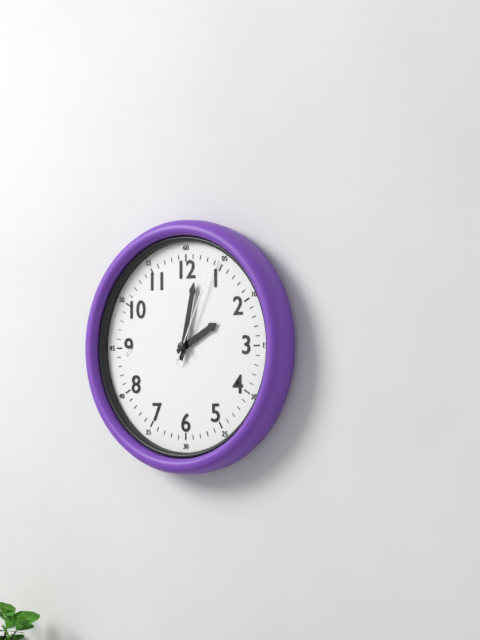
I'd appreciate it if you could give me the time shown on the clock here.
2:02:04
